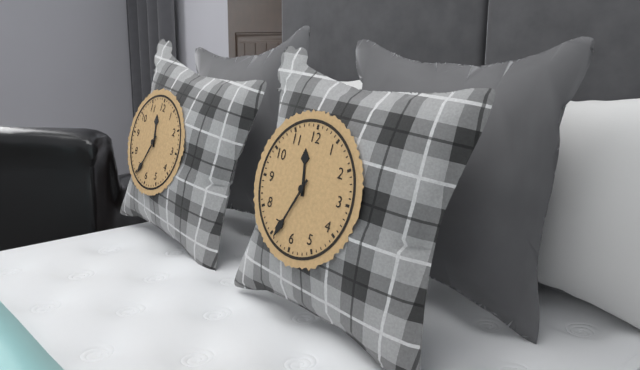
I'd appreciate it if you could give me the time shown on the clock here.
11:34
